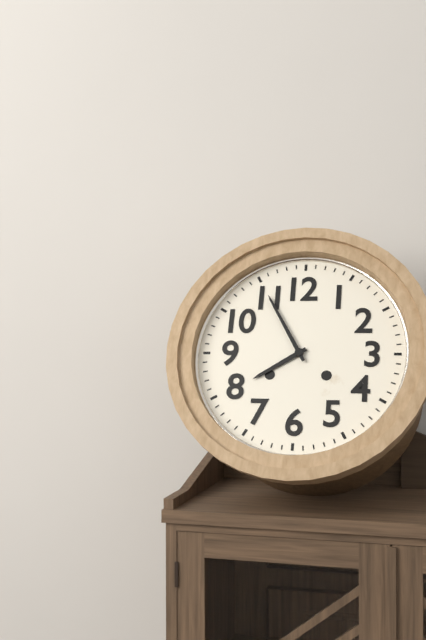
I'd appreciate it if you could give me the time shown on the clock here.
7:55
